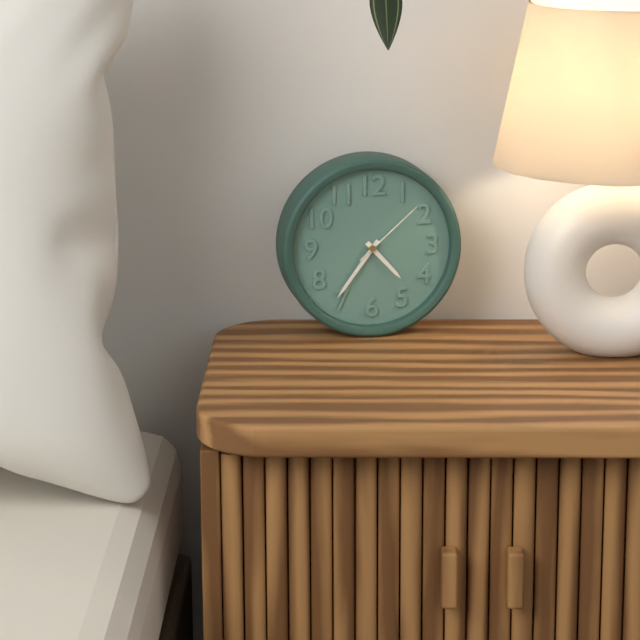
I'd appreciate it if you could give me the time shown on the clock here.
4:36:08
